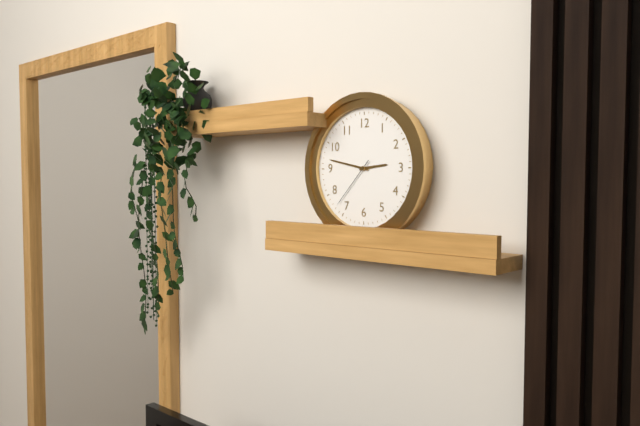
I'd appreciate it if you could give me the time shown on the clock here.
2:47:37
